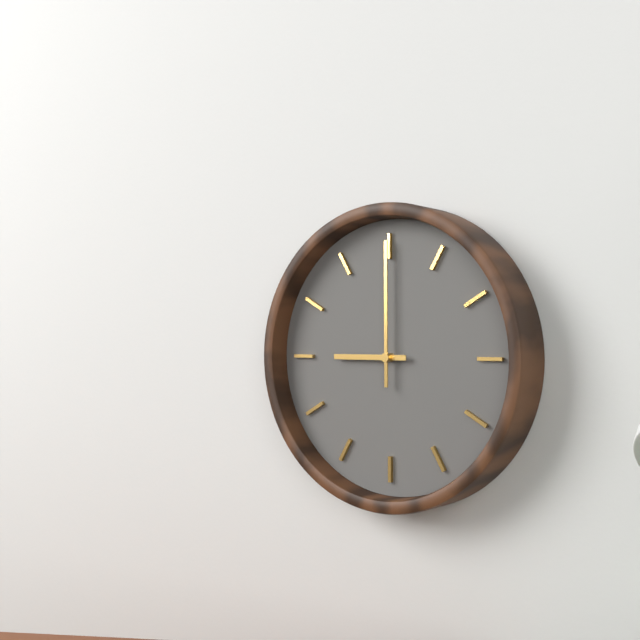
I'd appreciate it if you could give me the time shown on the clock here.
9:00
